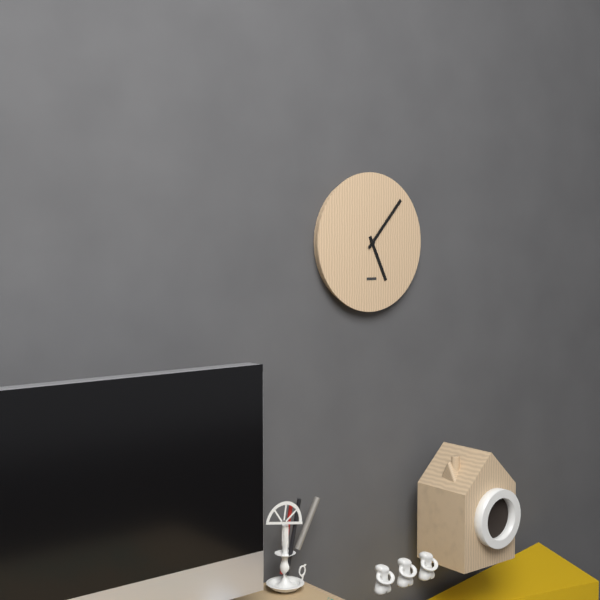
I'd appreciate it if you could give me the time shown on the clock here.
5:07
